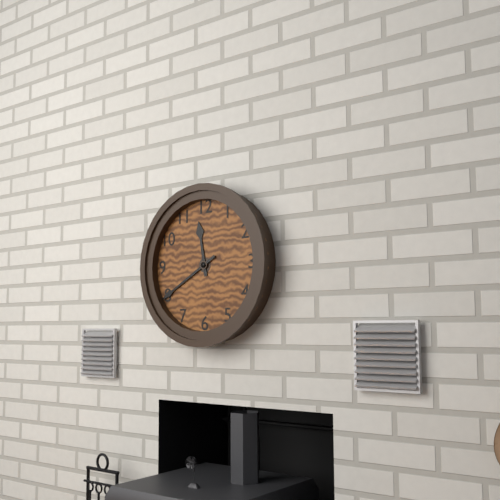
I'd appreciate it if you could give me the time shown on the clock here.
11:40
